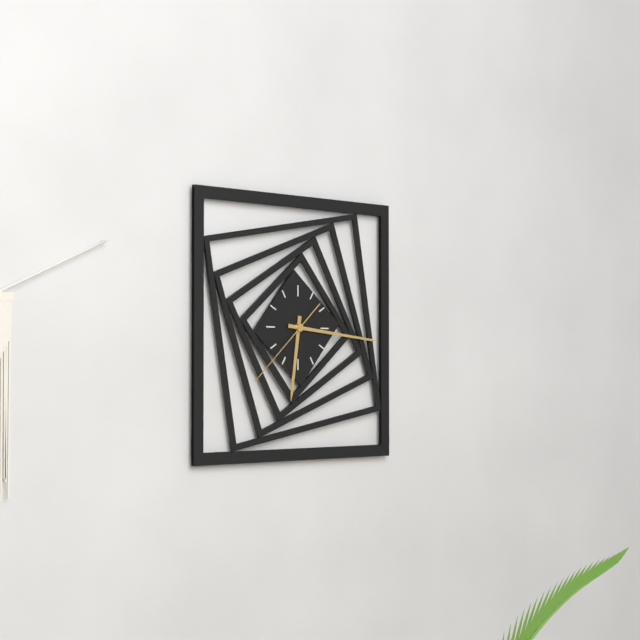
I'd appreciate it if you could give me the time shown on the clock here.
6:16:38
